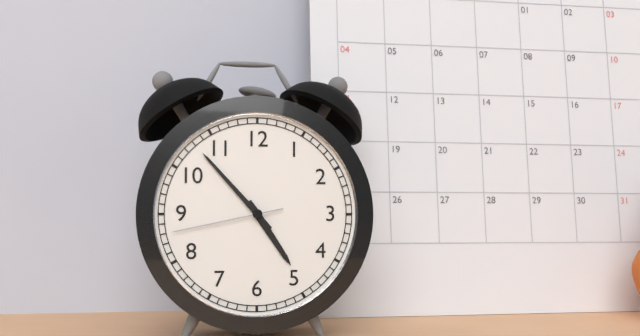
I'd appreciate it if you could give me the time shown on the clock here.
4:53:43
